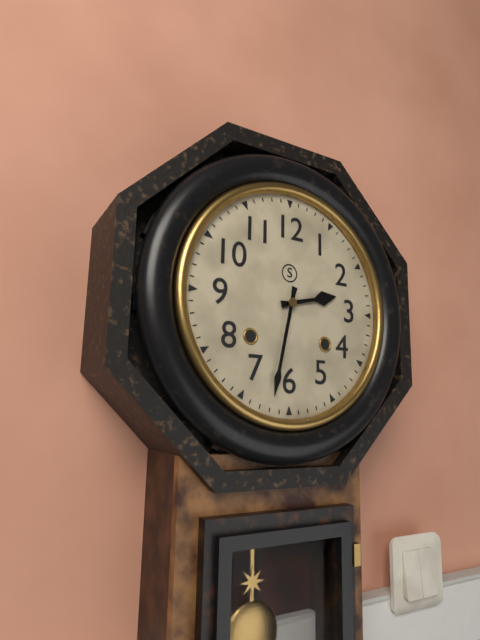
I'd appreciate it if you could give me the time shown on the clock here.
2:32
